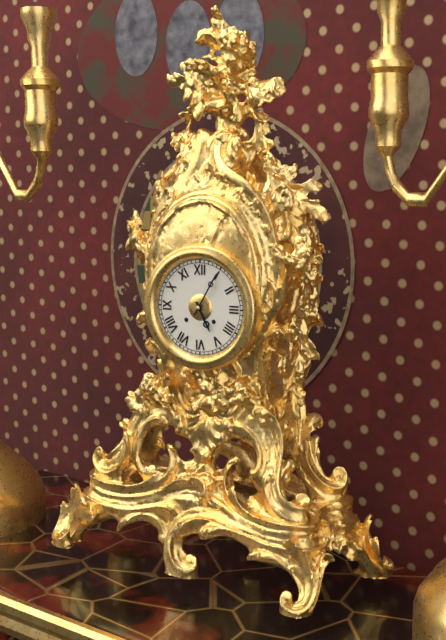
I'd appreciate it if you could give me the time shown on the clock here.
5:05
